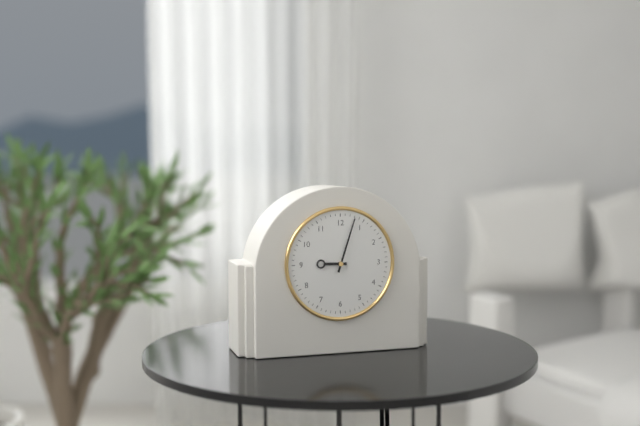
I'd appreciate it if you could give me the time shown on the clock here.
9:03
